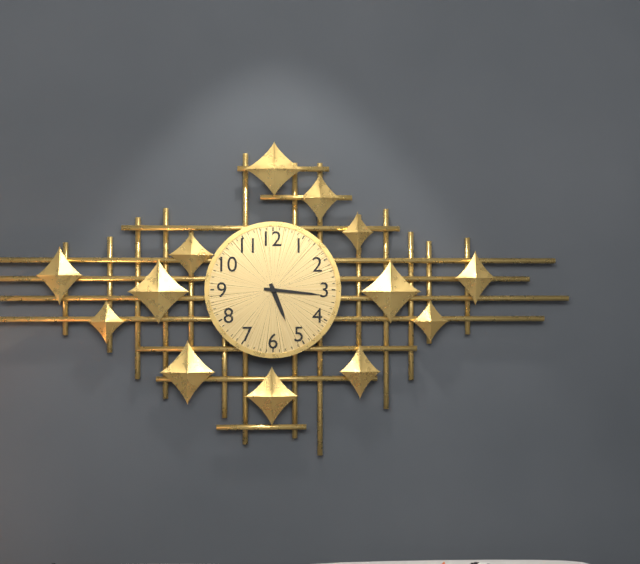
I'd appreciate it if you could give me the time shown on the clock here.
5:16
